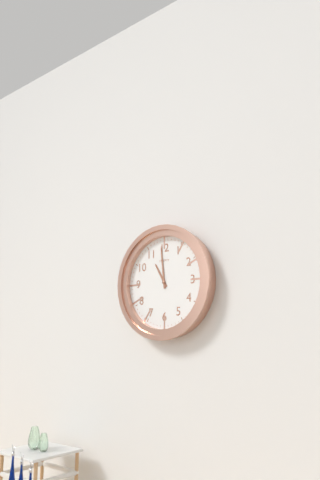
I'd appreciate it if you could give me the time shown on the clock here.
10:59
